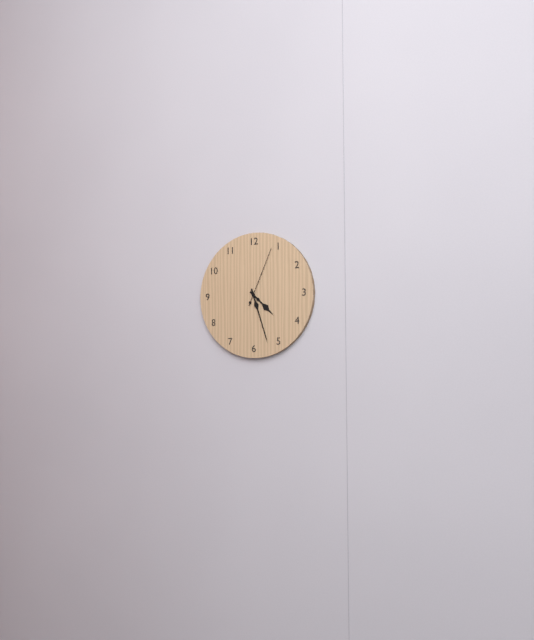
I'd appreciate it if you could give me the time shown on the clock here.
4:27:04
